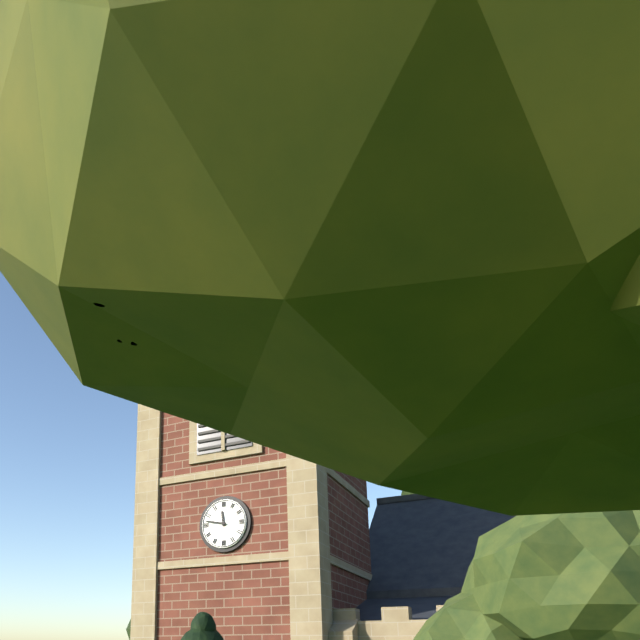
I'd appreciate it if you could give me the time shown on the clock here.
11:47
